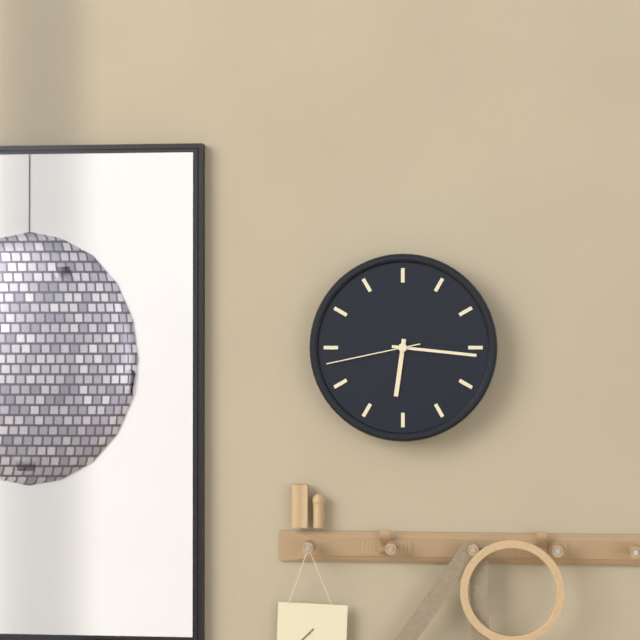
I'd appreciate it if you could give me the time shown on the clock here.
6:16:43
